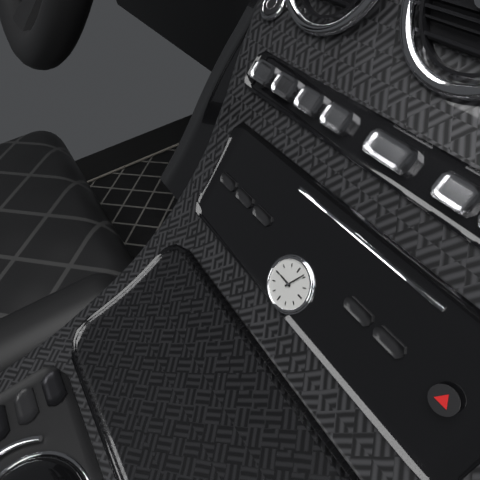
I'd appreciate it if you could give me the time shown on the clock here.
9:04
